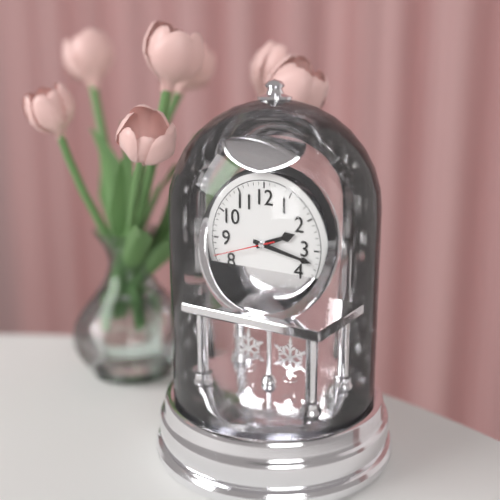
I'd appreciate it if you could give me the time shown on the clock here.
2:17:42
